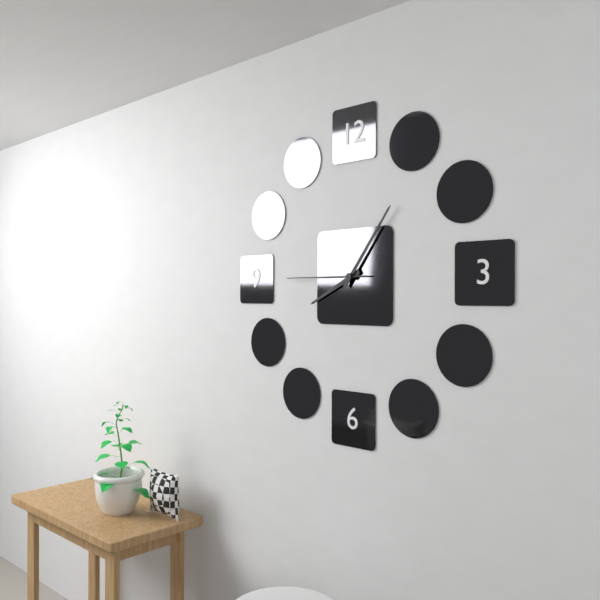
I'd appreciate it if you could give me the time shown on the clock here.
8:06:45
